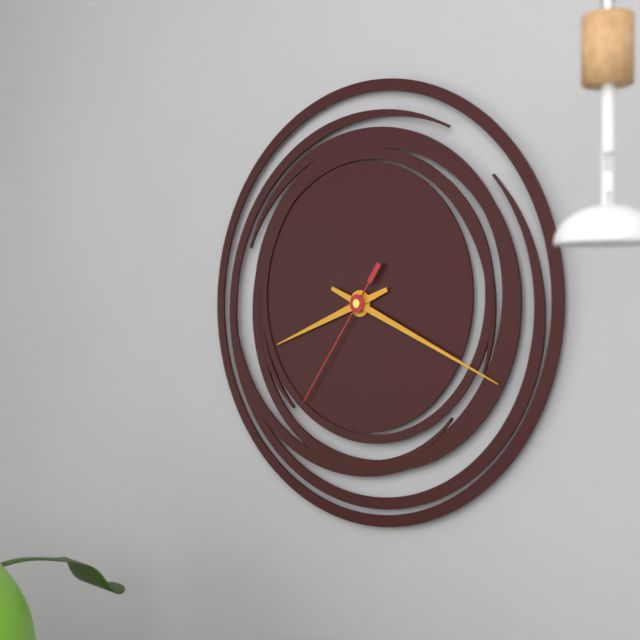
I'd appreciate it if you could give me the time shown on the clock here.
8:19:36
